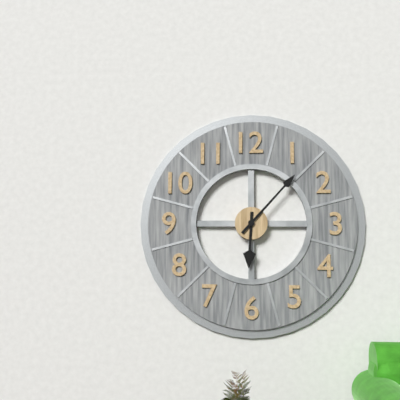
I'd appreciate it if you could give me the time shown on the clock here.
6:07
